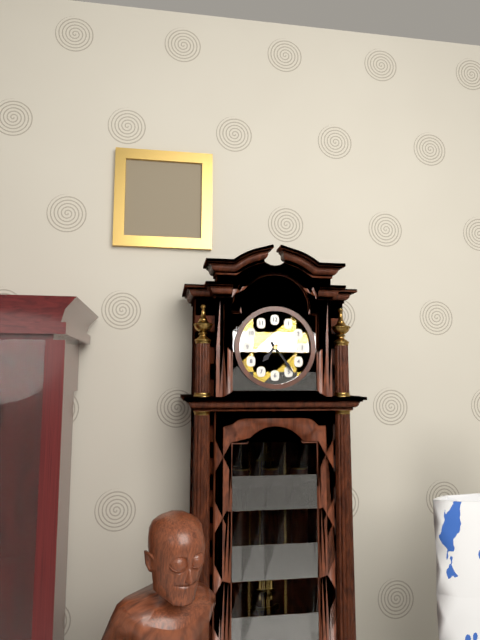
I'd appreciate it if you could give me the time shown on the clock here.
7:24
